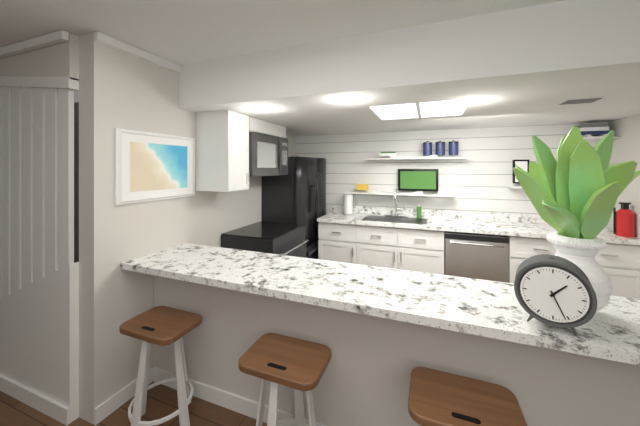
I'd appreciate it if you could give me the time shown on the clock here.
1:26
